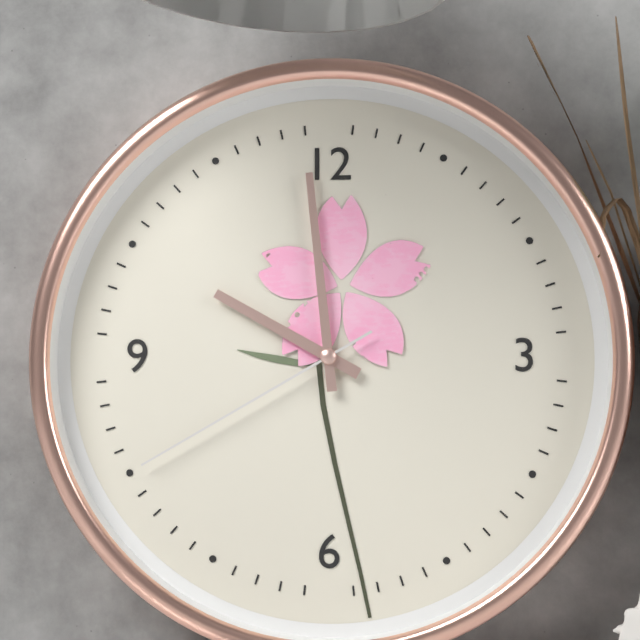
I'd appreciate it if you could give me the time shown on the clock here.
9:59:40
